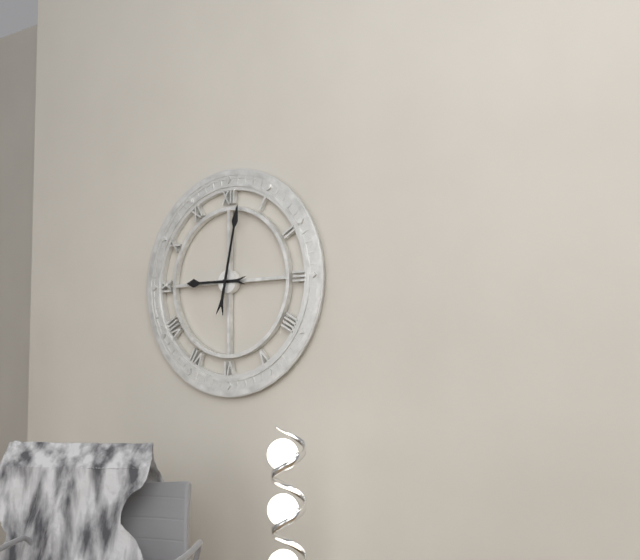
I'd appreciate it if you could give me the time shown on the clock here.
9:02
